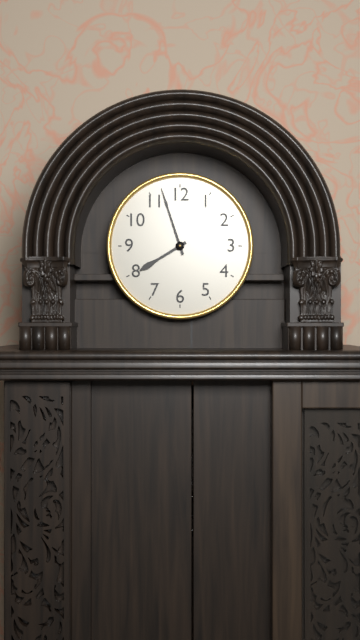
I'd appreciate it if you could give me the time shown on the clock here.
7:57
